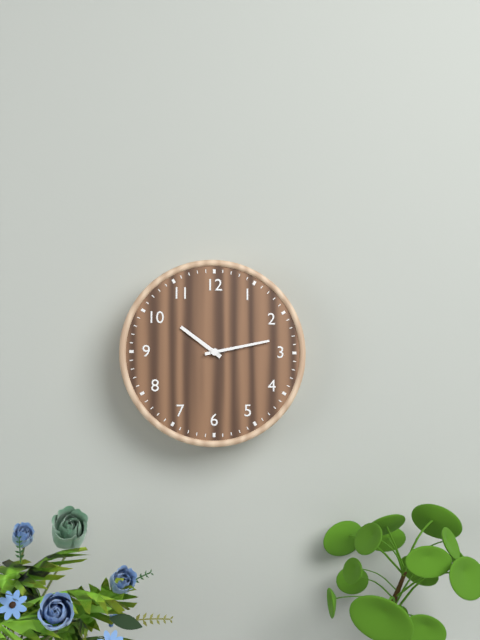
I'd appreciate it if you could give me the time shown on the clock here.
10:13
